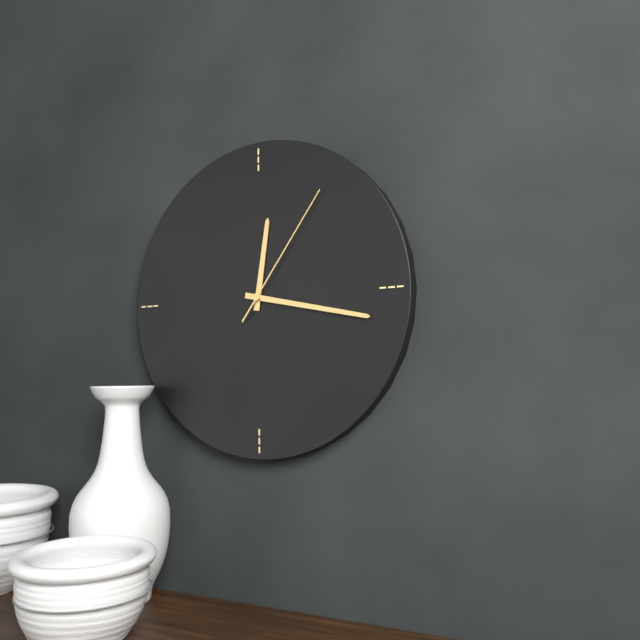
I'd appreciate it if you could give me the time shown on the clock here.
12:17:06
